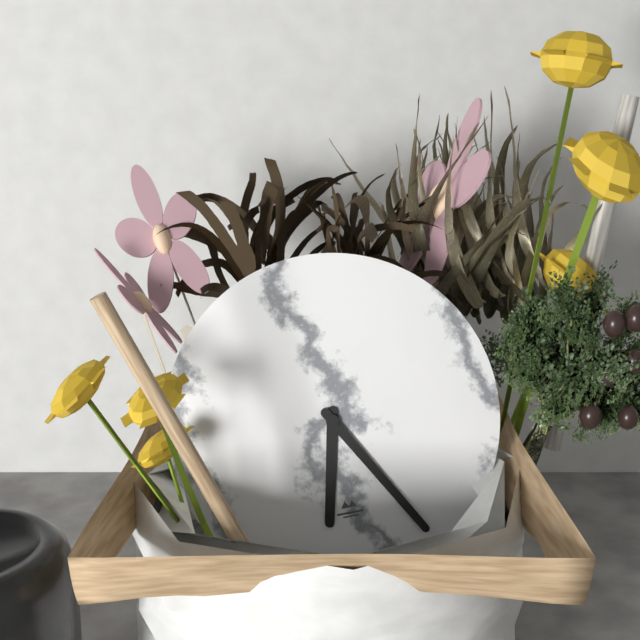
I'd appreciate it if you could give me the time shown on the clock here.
6:25
